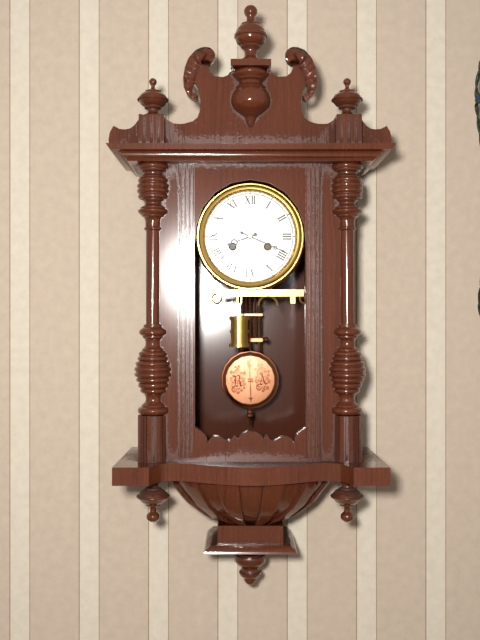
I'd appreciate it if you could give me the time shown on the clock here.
8:19
